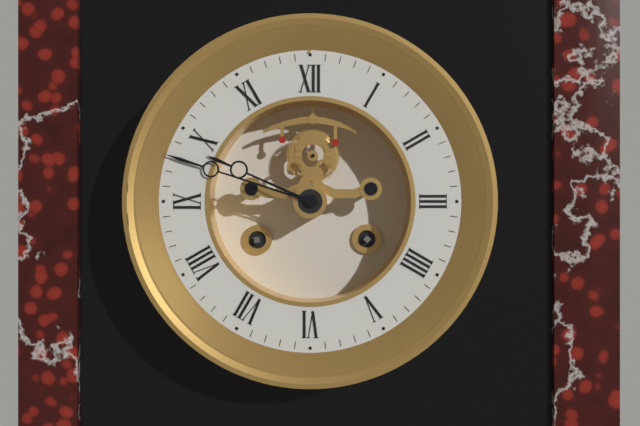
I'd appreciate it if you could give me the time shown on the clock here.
9:48
